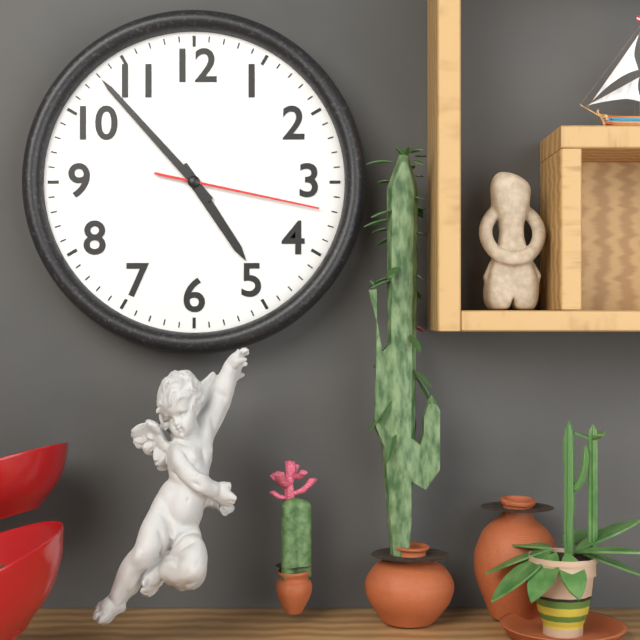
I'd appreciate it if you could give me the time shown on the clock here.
4:53:17
